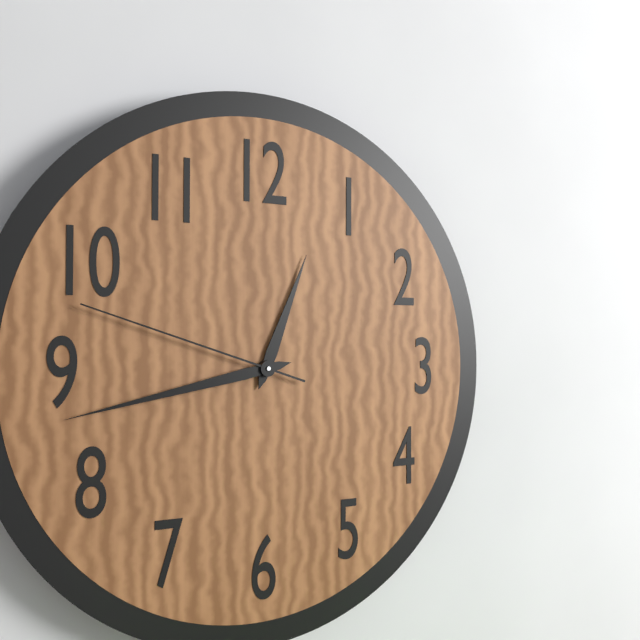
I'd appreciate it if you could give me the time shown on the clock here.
12:43:48
